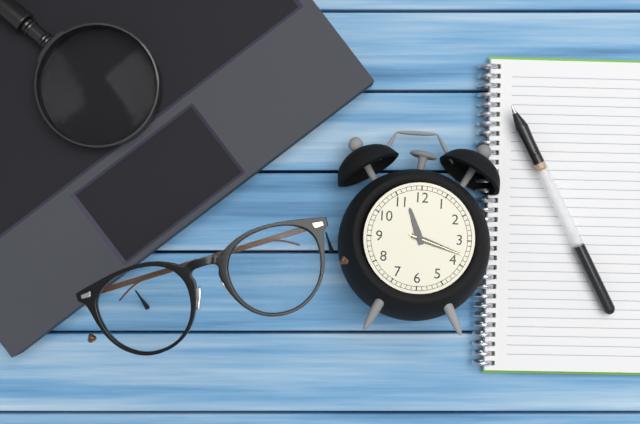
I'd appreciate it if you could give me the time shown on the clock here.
11:18:18
